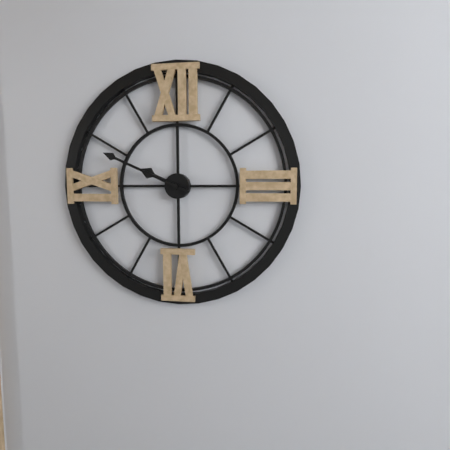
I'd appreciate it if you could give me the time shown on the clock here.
9:49
